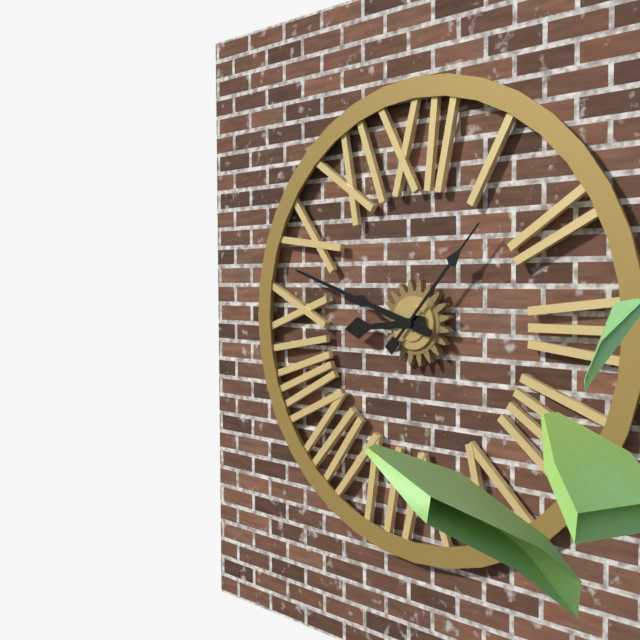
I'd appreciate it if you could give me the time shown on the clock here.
8:48:07
